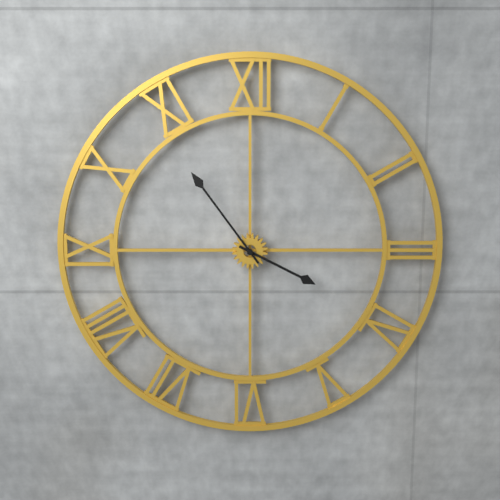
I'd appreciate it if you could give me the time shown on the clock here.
3:54
